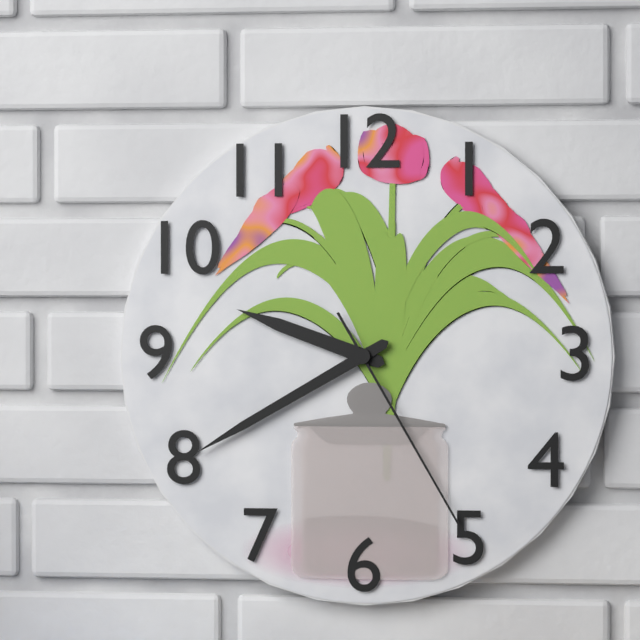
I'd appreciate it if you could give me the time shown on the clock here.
9:40:25
